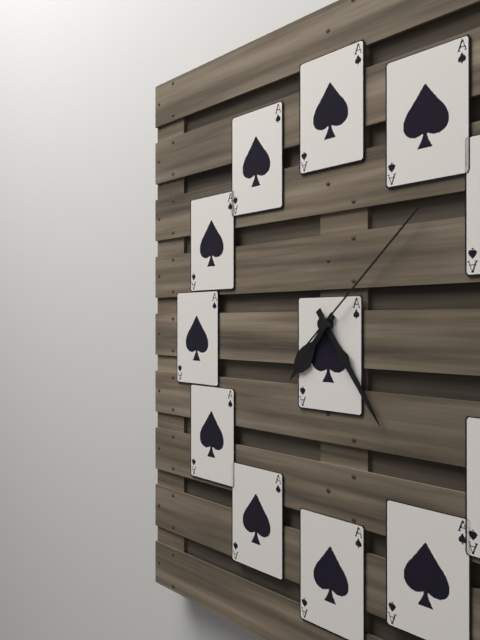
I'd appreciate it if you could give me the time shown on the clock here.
7:24:08
